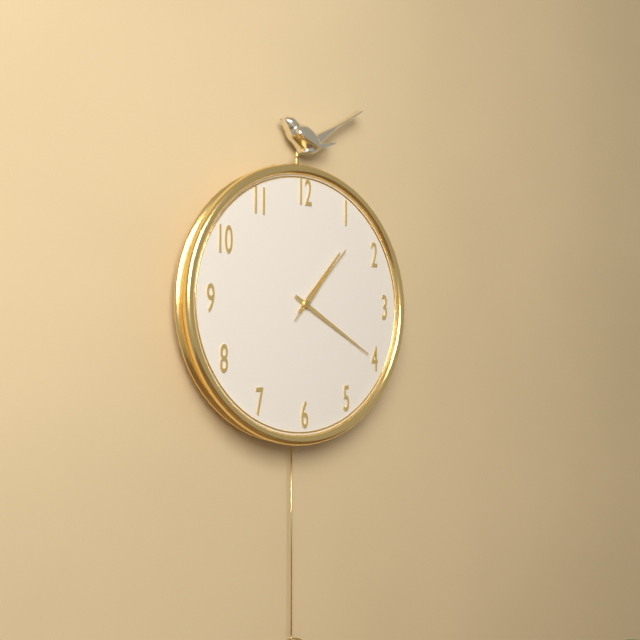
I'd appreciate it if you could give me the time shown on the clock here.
1:20:07
